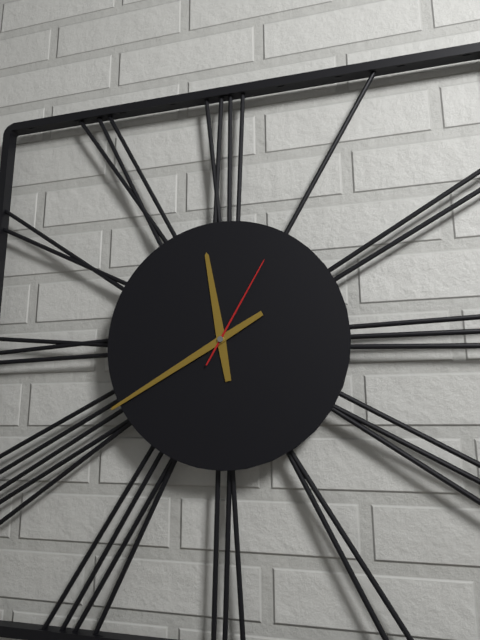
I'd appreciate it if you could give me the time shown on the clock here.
11:40:05
